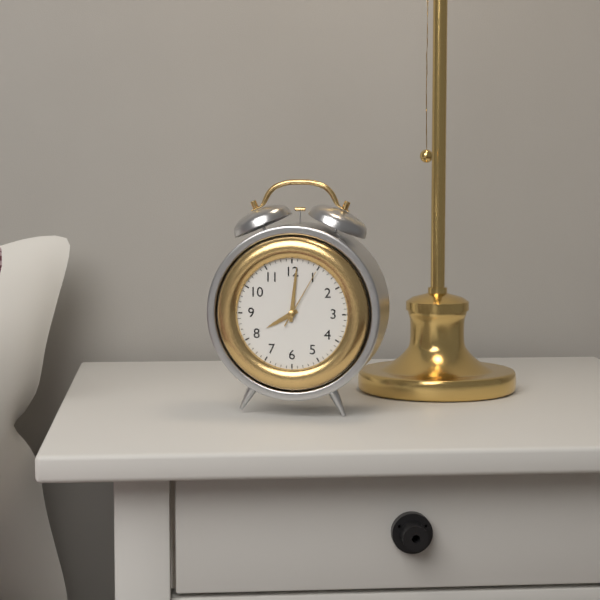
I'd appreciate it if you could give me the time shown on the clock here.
8:01:05
